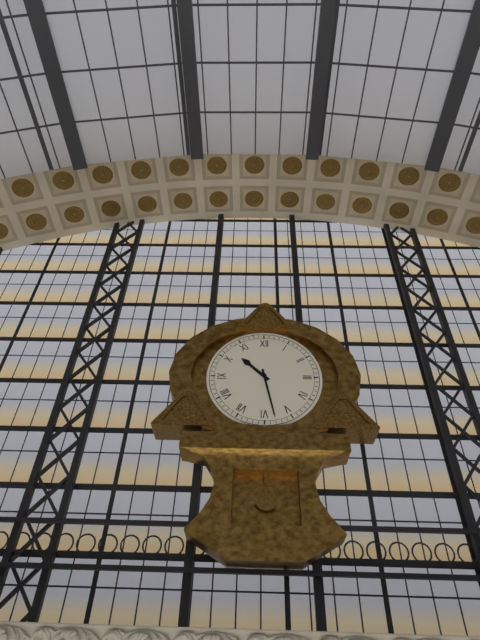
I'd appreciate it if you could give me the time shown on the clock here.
10:28
